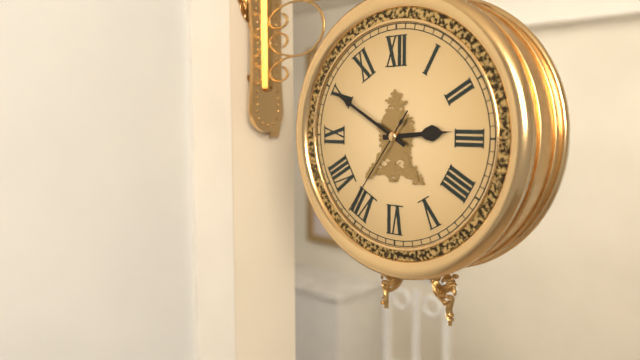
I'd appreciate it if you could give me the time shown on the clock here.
2:50:36
